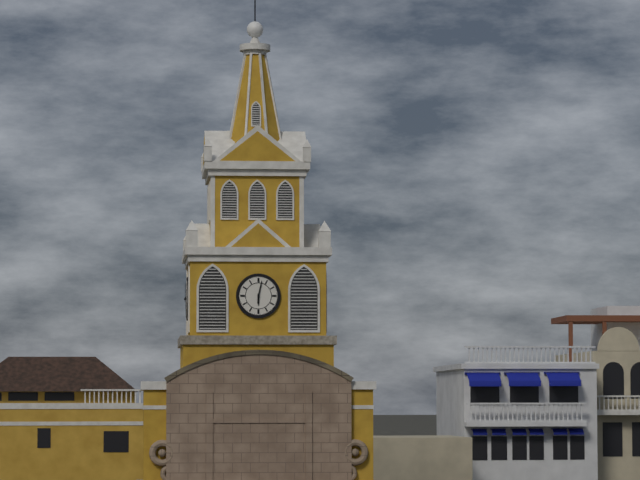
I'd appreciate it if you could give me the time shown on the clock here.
6:02
